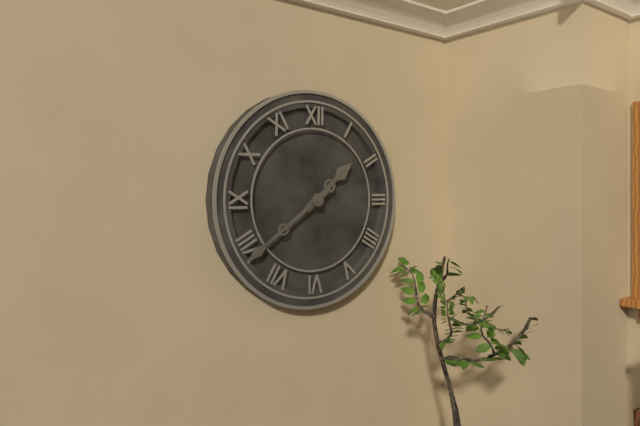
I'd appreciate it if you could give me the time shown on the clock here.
1:39
